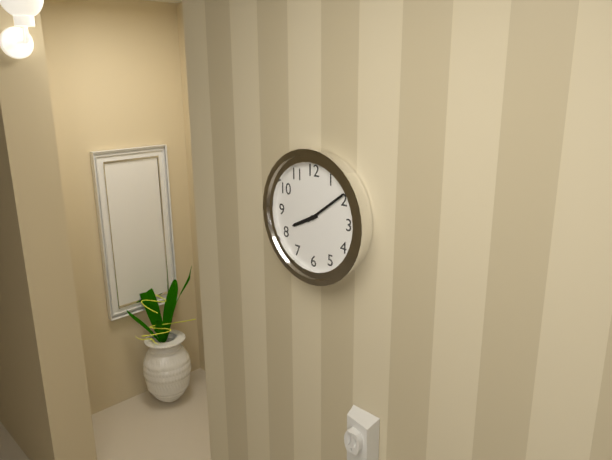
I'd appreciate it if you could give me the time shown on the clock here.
8:09
